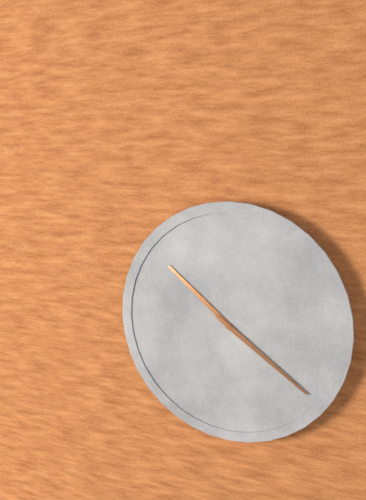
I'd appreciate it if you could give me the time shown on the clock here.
10:21
